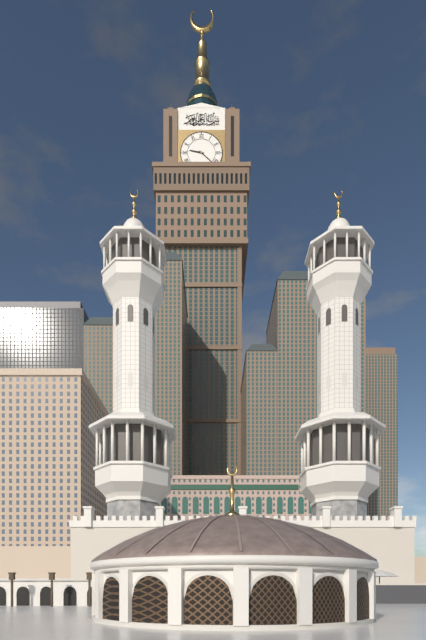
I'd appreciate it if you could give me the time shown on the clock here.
9:22
